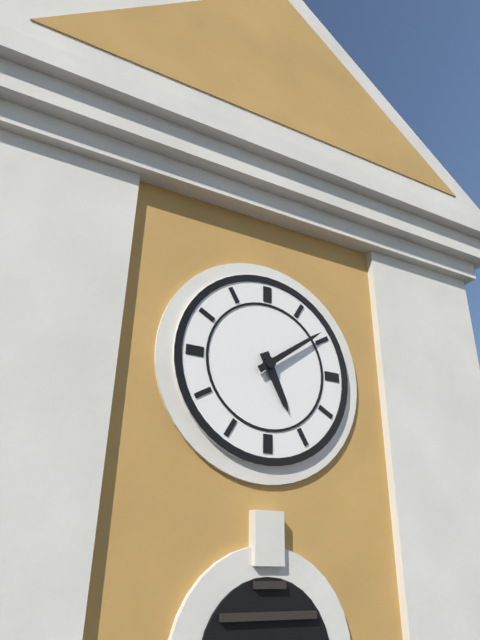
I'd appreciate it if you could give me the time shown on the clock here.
5:09
